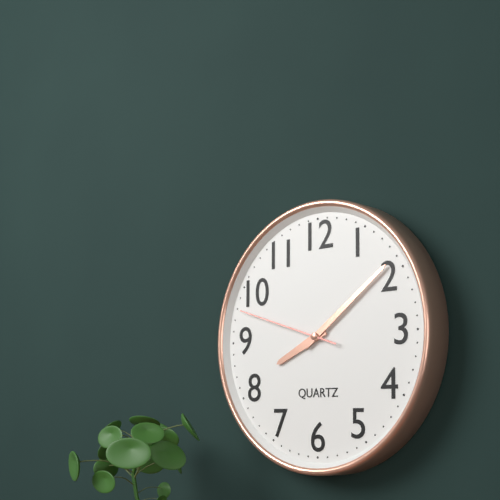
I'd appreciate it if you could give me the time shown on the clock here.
8:09:48
